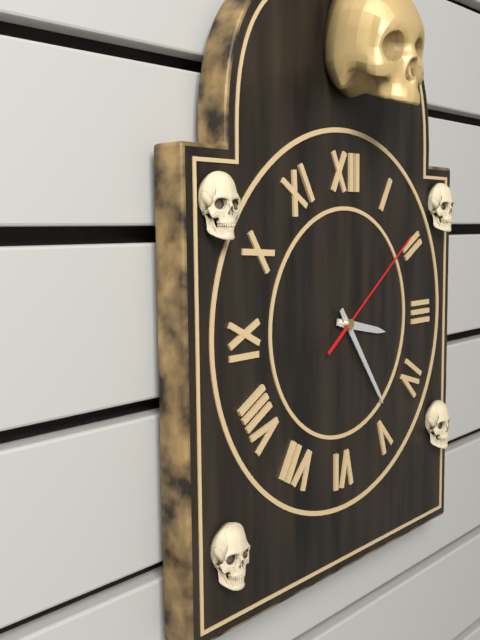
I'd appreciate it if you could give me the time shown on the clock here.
3:24:09
